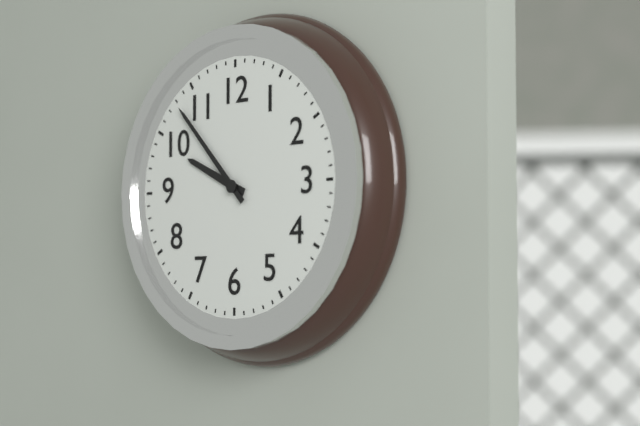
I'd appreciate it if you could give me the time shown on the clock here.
9:53
